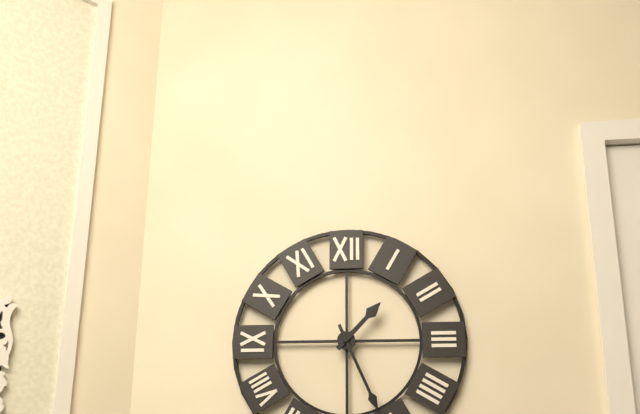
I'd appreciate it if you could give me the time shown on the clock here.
1:26
